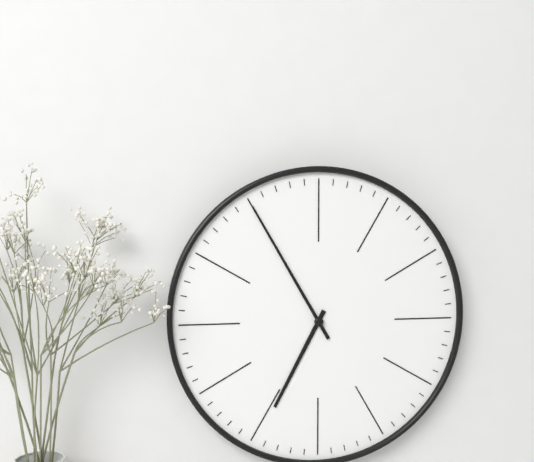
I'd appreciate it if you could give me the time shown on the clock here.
6:55
